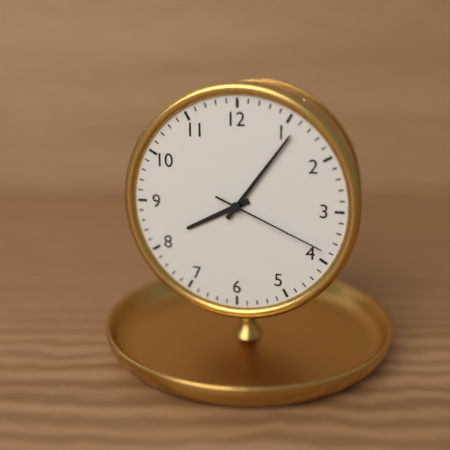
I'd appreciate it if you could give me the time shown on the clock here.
8:06:19
